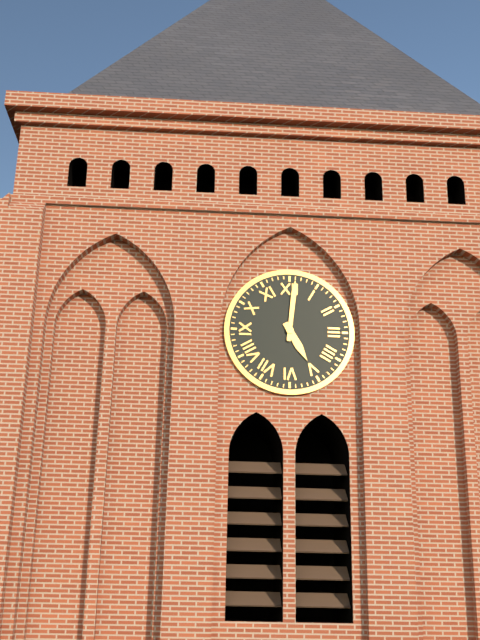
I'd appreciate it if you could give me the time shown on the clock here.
5:01
